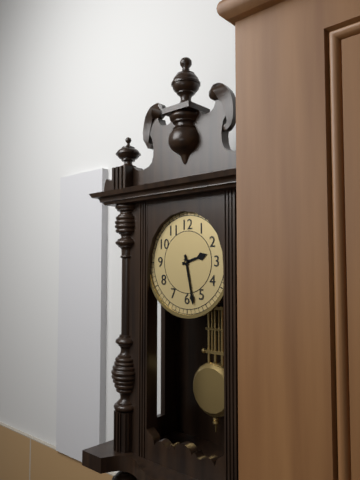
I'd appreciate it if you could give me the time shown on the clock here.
2:28
